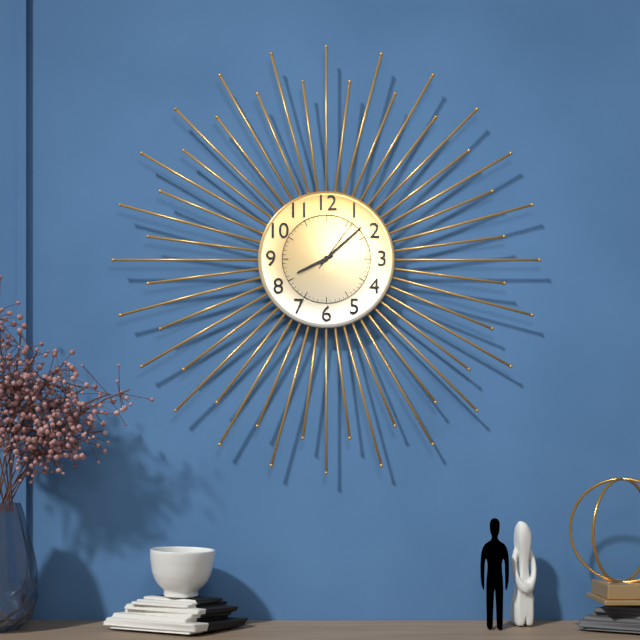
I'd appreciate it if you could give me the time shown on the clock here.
8:08:06
